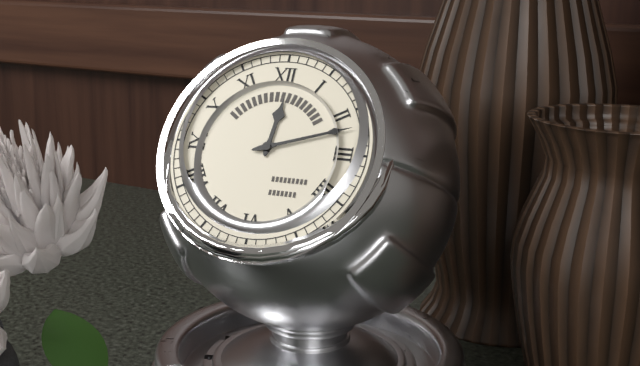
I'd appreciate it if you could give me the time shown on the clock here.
12:12
